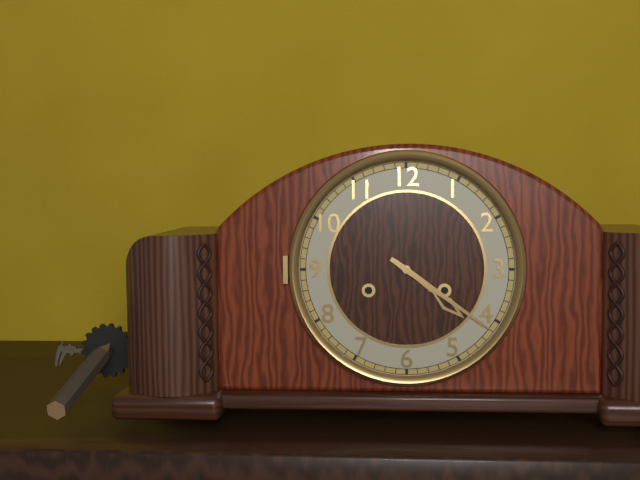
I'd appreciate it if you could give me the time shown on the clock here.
4:21
